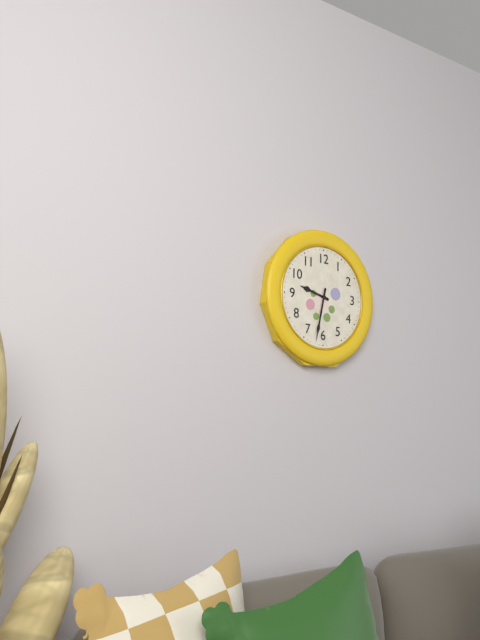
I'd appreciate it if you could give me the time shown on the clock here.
9:32
